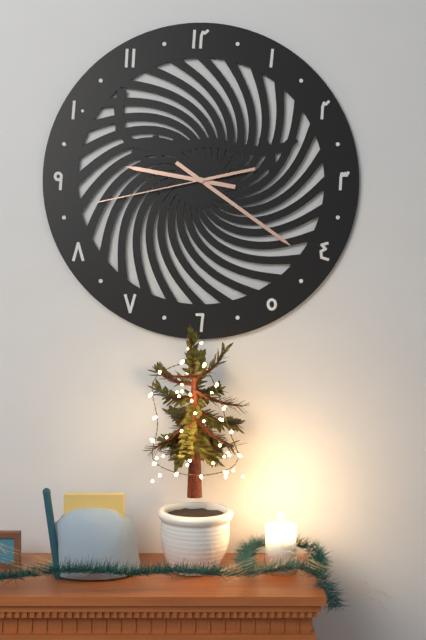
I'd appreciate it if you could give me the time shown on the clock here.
9:21:43
